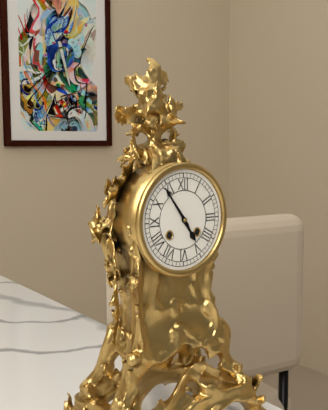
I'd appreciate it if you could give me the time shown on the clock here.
4:54
